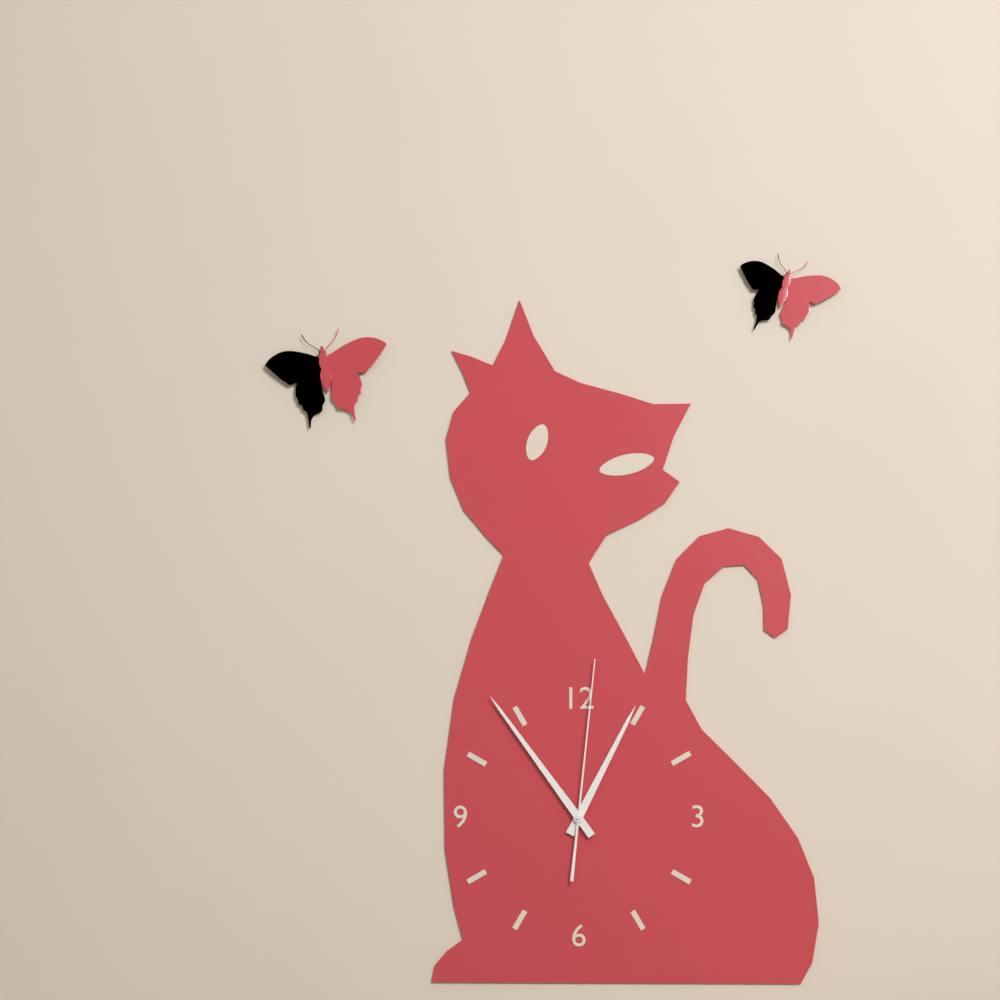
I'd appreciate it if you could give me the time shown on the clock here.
12:54:01
